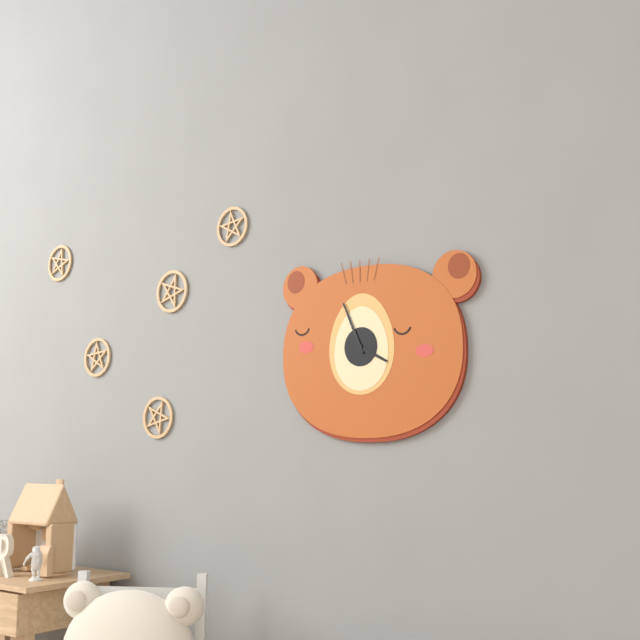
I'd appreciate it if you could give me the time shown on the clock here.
3:56
